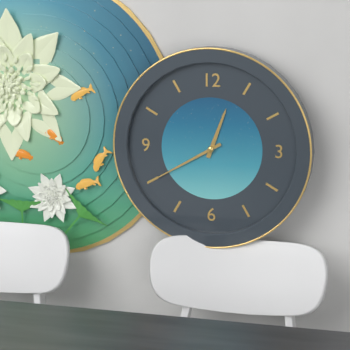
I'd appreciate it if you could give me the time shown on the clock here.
12:40
